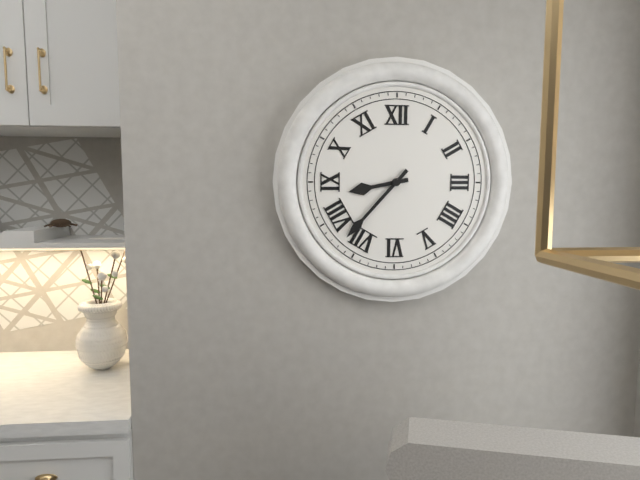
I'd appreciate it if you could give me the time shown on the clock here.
8:37
